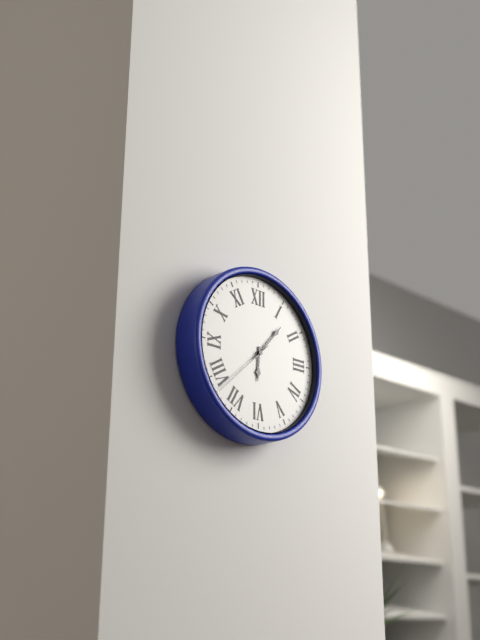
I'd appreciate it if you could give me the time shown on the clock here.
6:07:38
